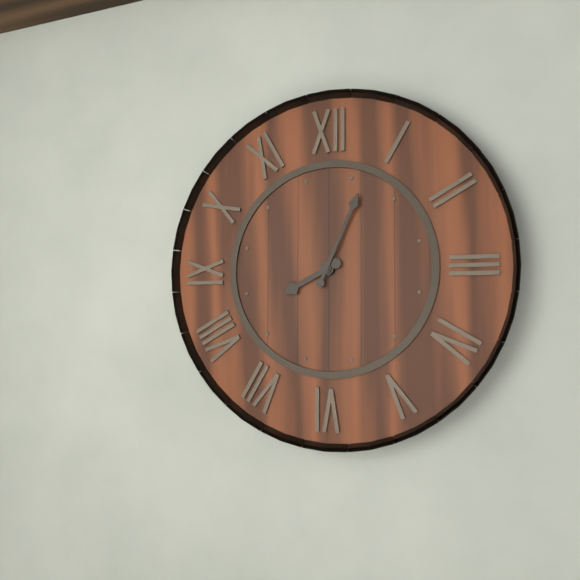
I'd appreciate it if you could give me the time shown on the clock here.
8:04
